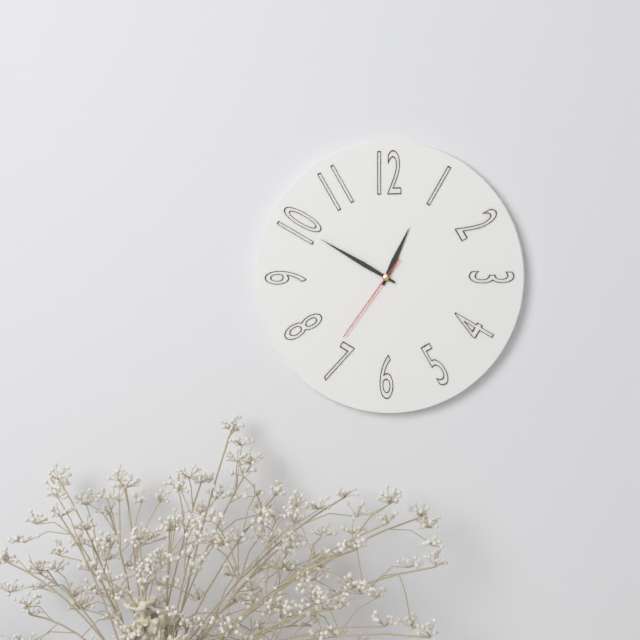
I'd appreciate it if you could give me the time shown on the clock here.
12:50:36
